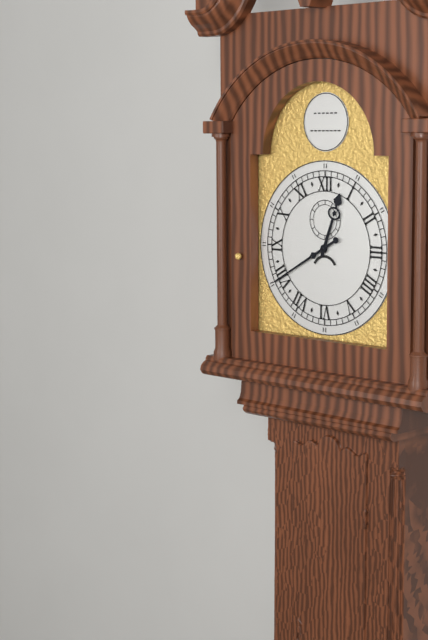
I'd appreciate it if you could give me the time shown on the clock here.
12:40
